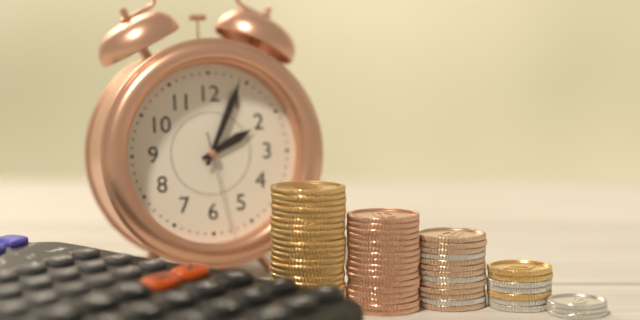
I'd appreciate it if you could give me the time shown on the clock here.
2:04:28
